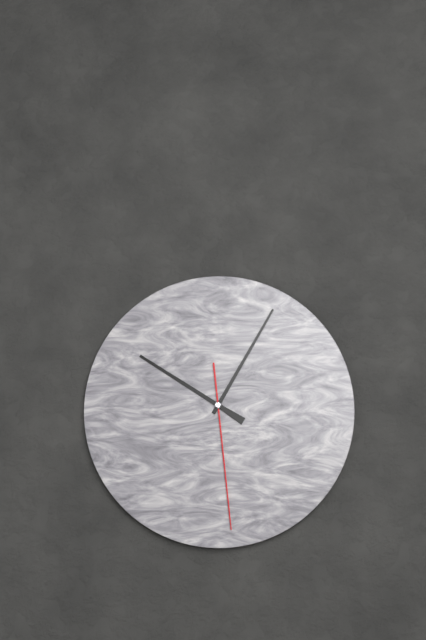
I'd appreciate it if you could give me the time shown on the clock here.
10:05:29
